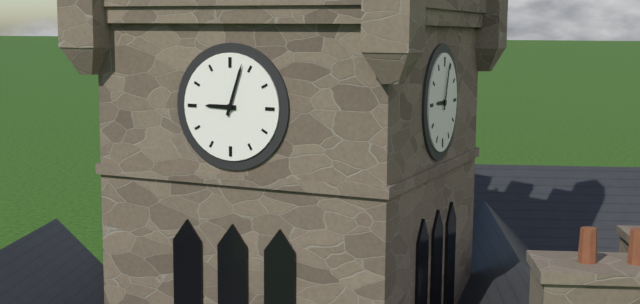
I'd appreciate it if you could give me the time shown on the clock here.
9:03
